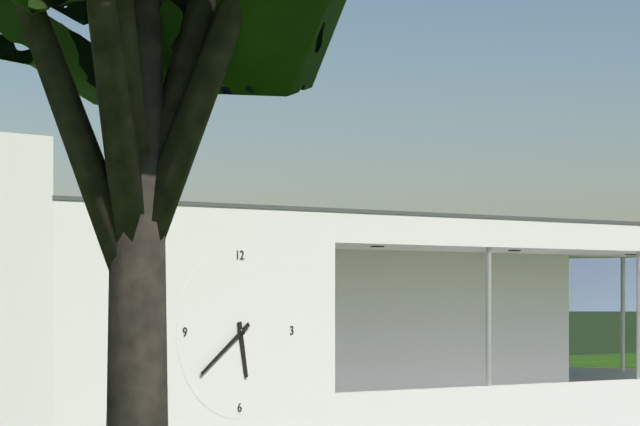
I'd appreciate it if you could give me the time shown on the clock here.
5:39
